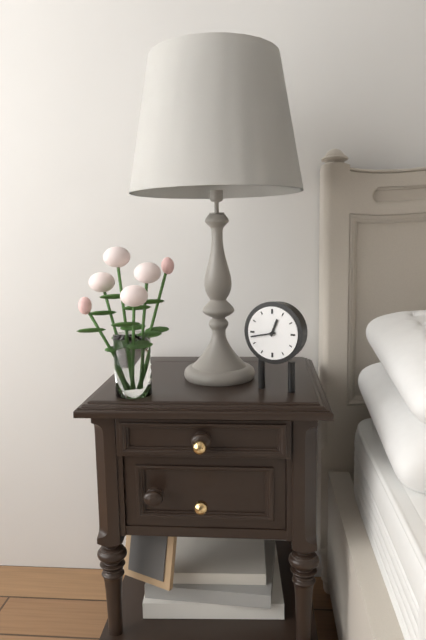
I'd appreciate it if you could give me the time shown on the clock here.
12:43
